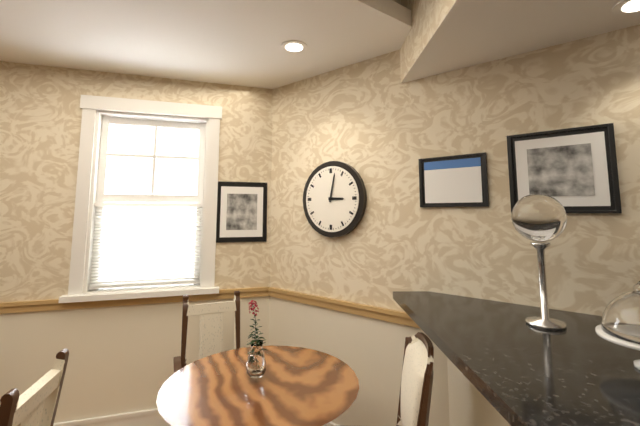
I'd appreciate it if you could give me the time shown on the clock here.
3:02
